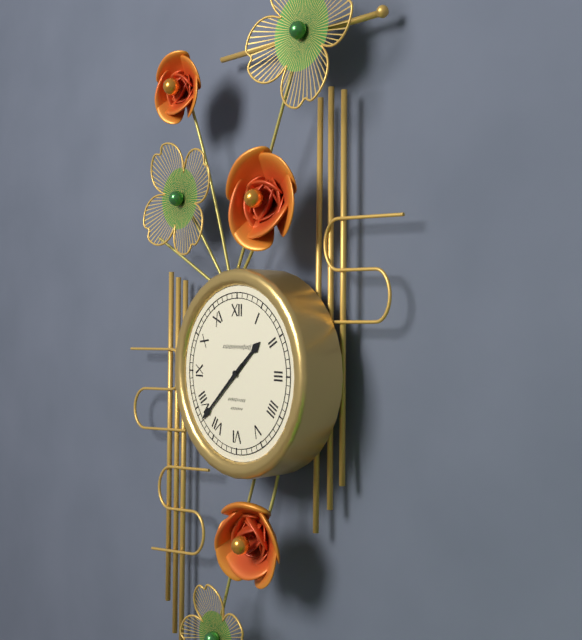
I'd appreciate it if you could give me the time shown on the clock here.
1:38
